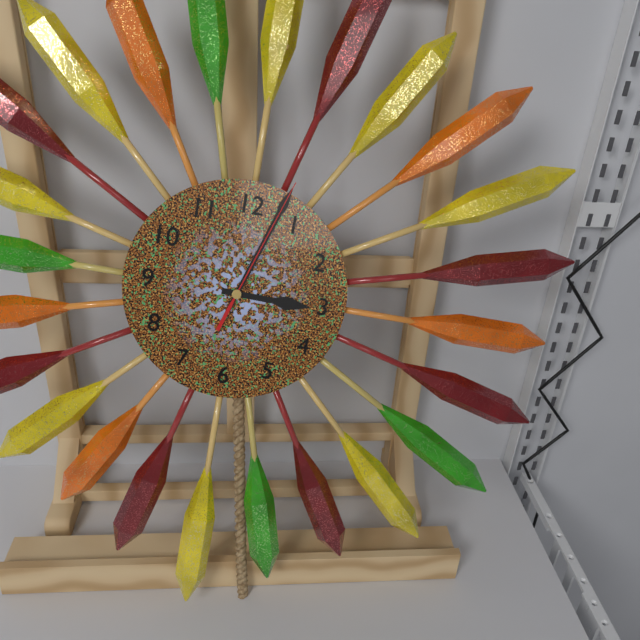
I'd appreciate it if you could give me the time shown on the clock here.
3:03:03
